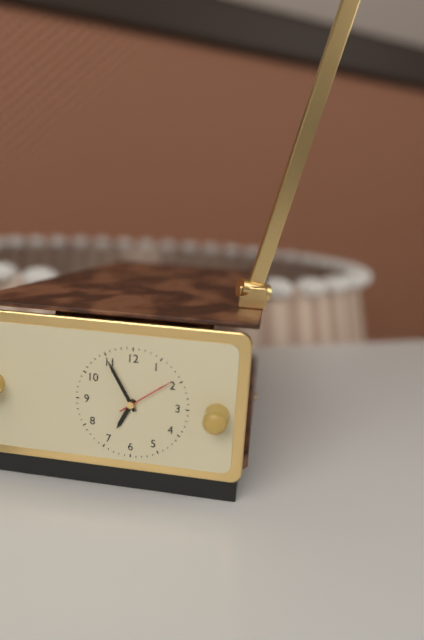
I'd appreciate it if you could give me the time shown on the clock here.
6:55:09
